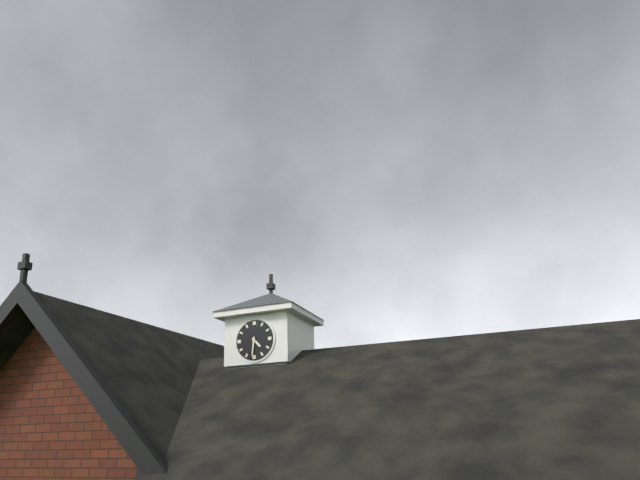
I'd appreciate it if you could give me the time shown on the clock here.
4:31
